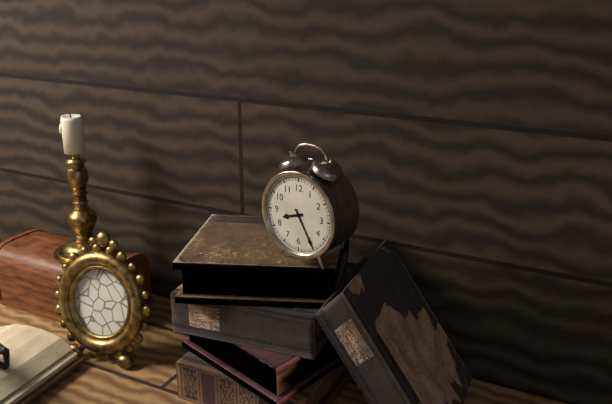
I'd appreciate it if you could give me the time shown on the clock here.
8:25
